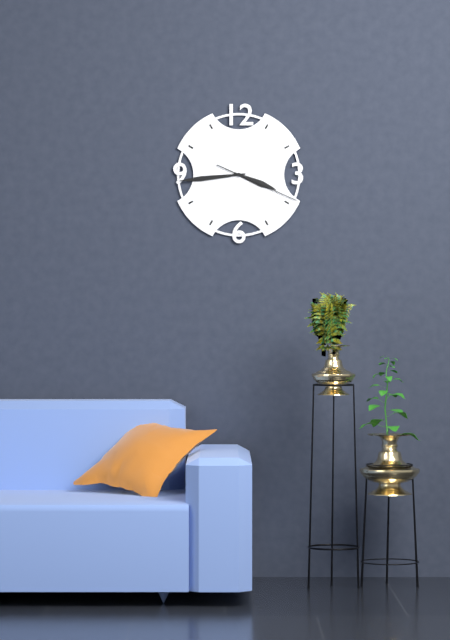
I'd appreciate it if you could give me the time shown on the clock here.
3:44:19
